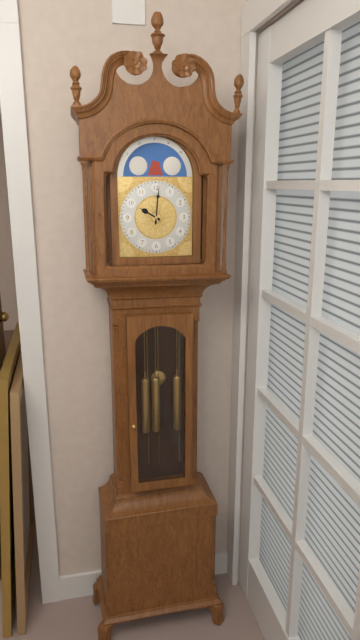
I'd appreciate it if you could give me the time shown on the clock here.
10:01
